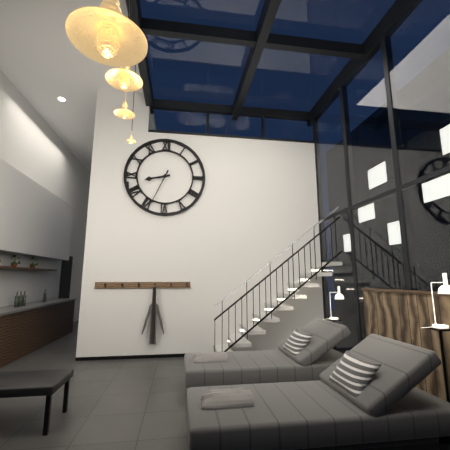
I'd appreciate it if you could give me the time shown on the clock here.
8:34
